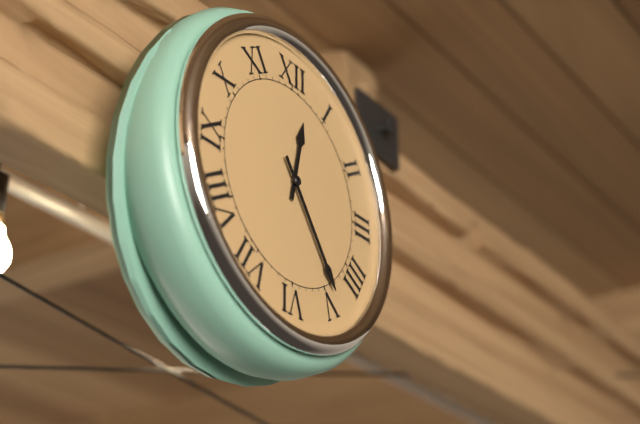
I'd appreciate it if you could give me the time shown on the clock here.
12:24
